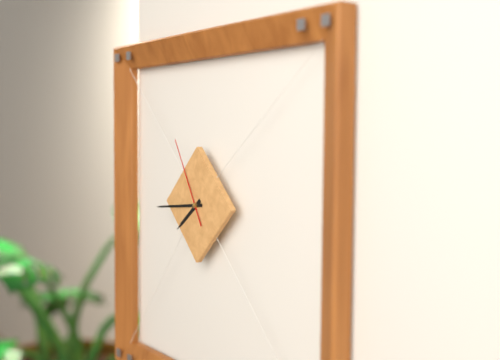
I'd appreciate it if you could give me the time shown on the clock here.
7:44:55
